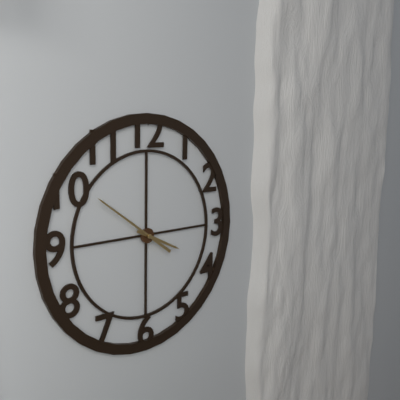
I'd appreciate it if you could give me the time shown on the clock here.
3:51
